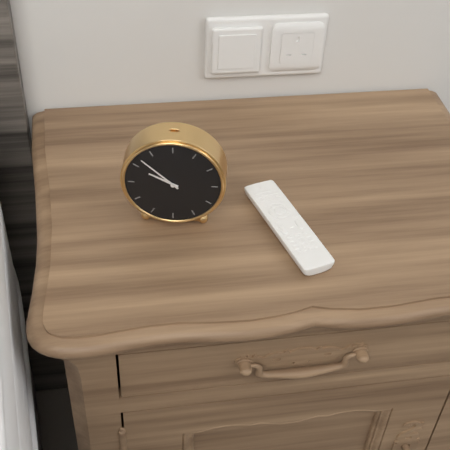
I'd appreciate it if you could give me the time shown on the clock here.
9:52
